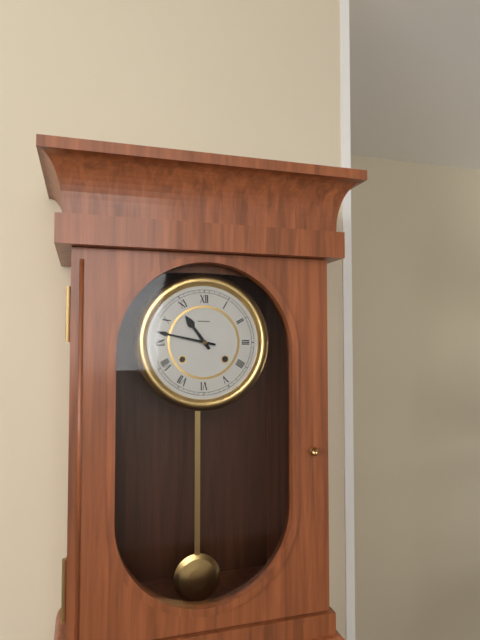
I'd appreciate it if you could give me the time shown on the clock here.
10:47
